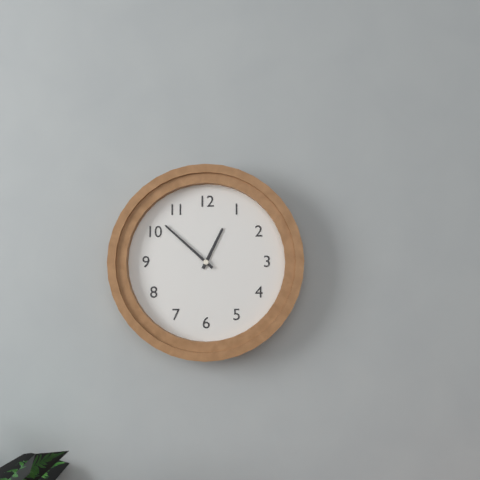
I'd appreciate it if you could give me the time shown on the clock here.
12:52
